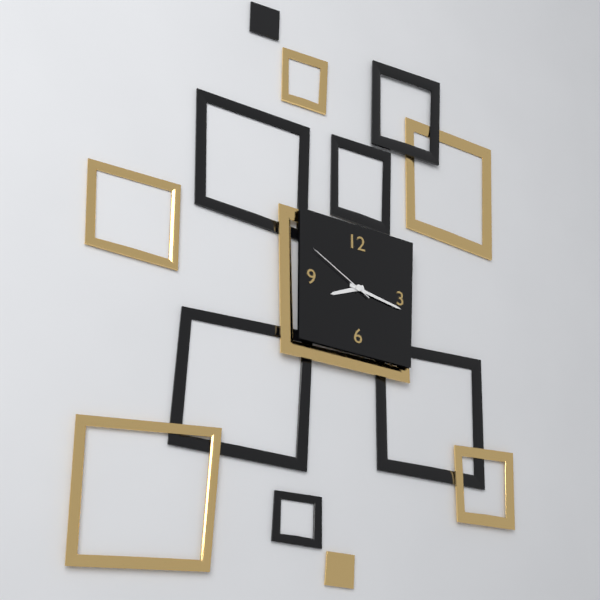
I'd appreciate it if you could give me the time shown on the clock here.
8:17:50
